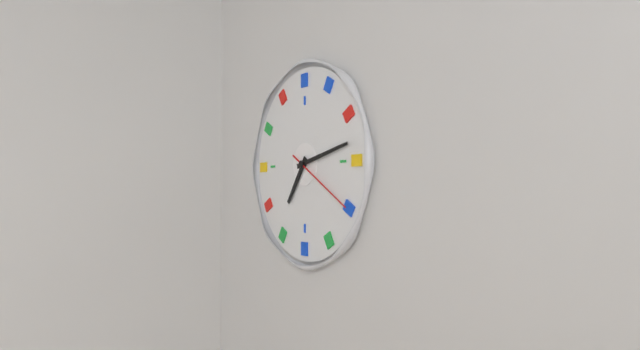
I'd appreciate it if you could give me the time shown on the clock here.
7:13:20
